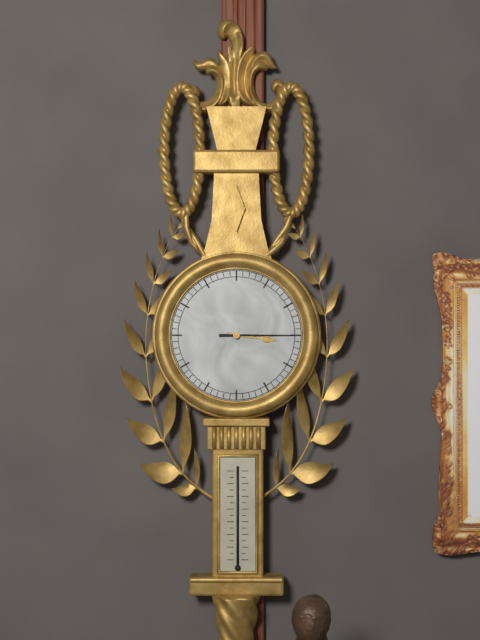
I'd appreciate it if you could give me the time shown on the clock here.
3:15
